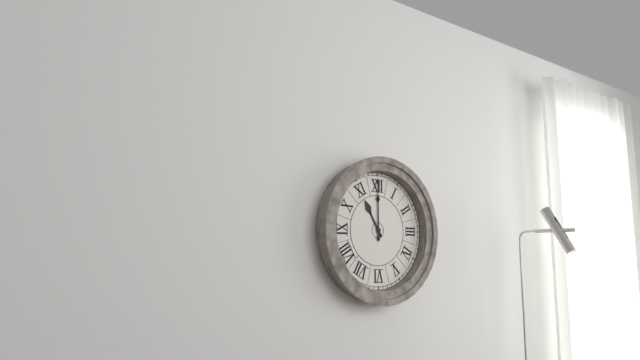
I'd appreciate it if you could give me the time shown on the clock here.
11:00
